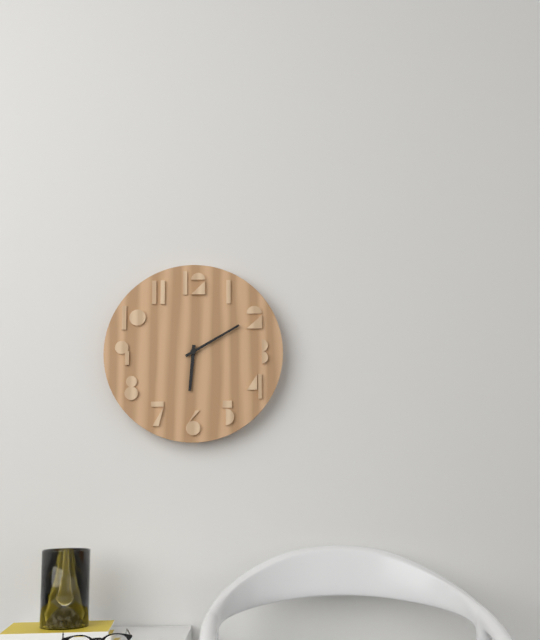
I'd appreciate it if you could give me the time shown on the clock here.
6:10
